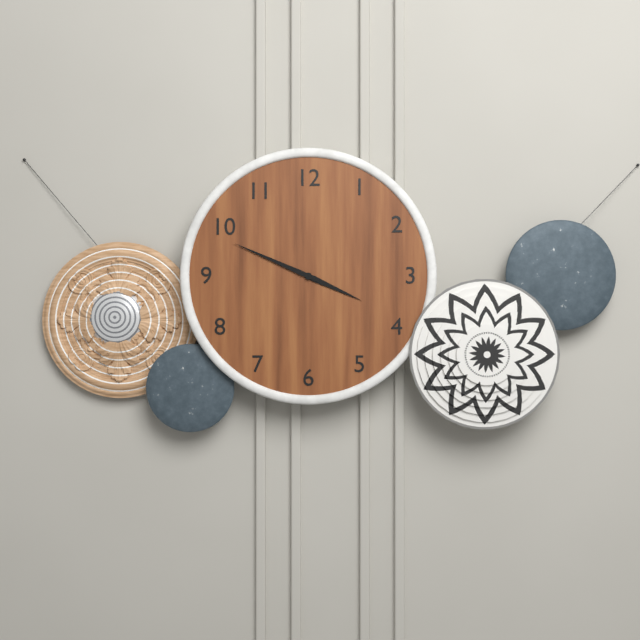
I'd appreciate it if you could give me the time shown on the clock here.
3:49
